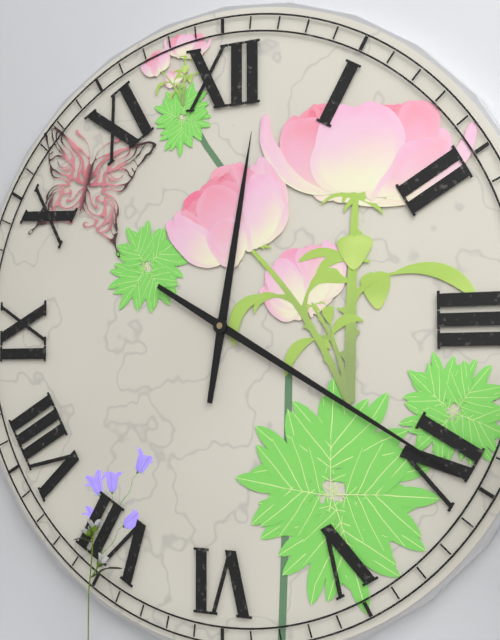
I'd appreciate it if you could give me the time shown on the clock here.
12:20
